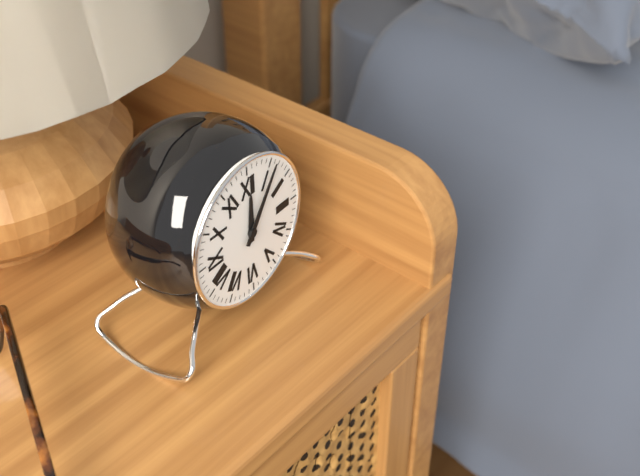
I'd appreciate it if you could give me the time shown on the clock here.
12:06
